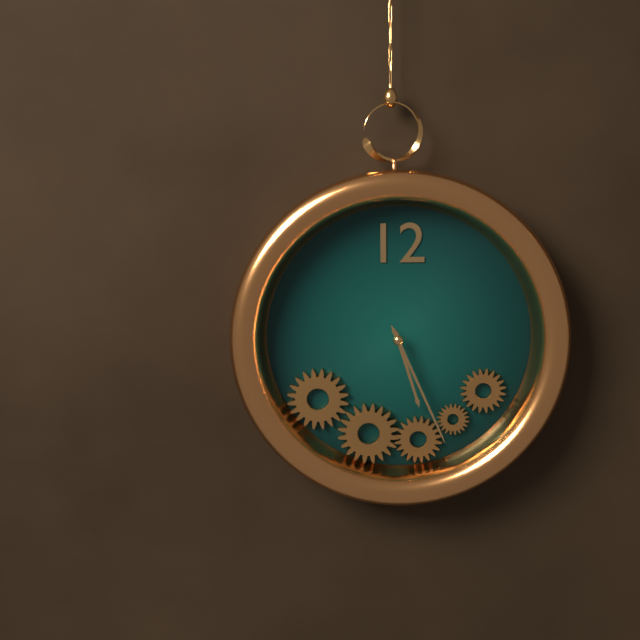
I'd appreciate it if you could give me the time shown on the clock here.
5:26
